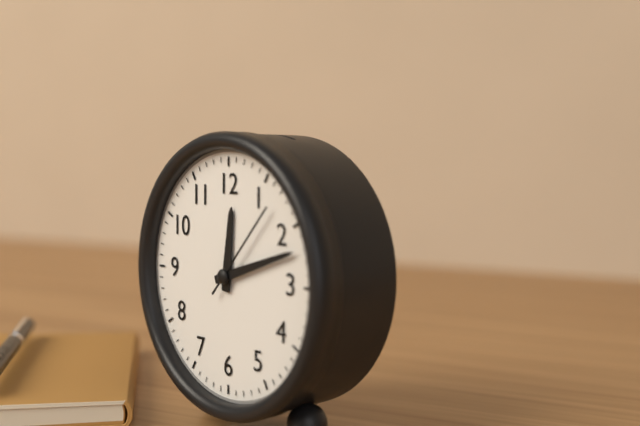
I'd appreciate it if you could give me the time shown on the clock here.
12:12:07
